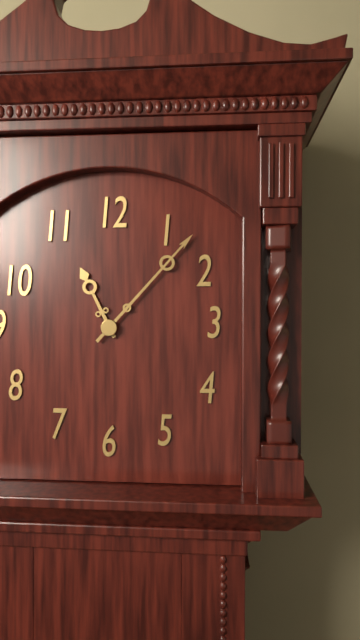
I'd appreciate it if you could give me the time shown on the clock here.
11:07
